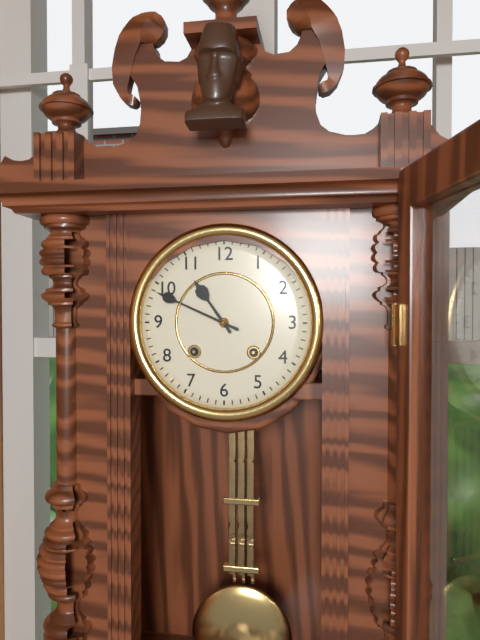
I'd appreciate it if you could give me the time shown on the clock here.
10:49
